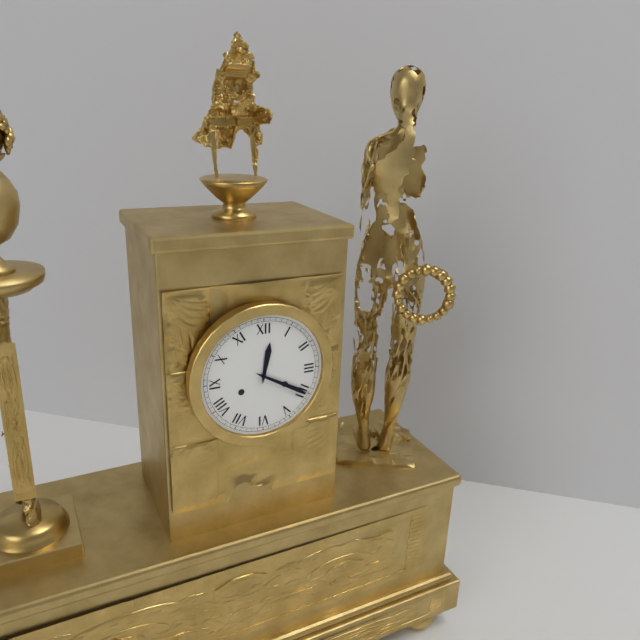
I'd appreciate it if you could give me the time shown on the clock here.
12:20
